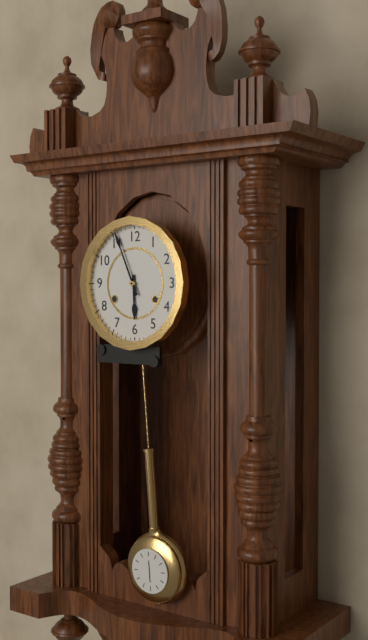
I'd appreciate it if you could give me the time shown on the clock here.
5:56
